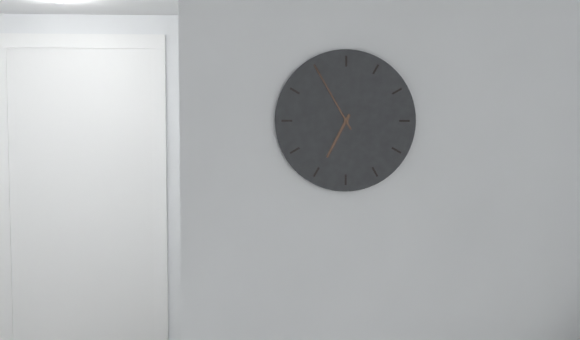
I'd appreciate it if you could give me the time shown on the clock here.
6:55
